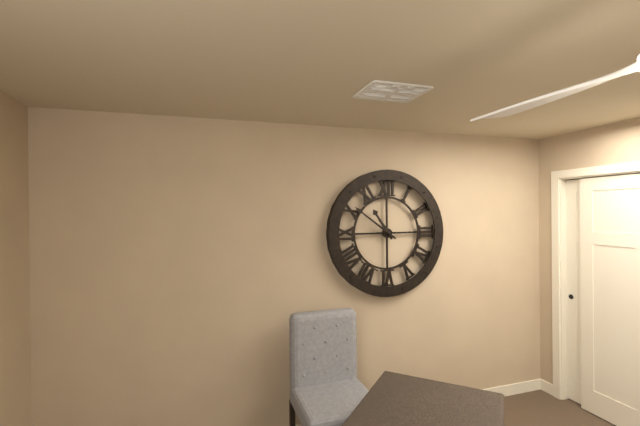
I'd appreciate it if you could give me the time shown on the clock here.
10:51
